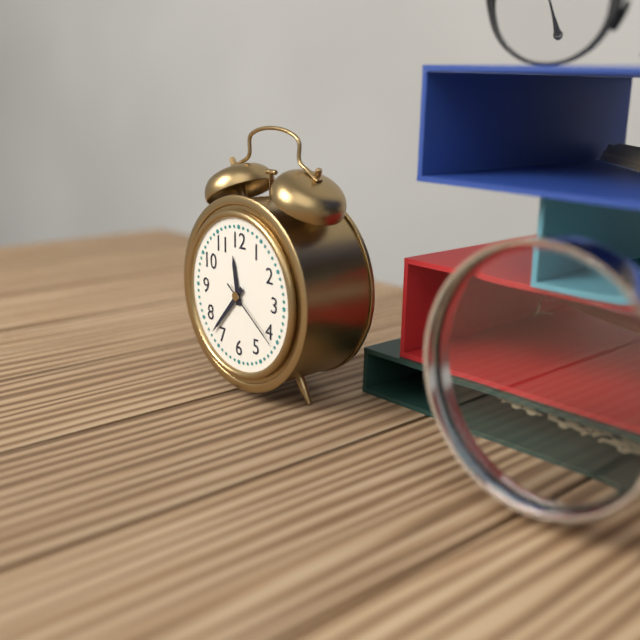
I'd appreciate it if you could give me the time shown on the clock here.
11:37:21
